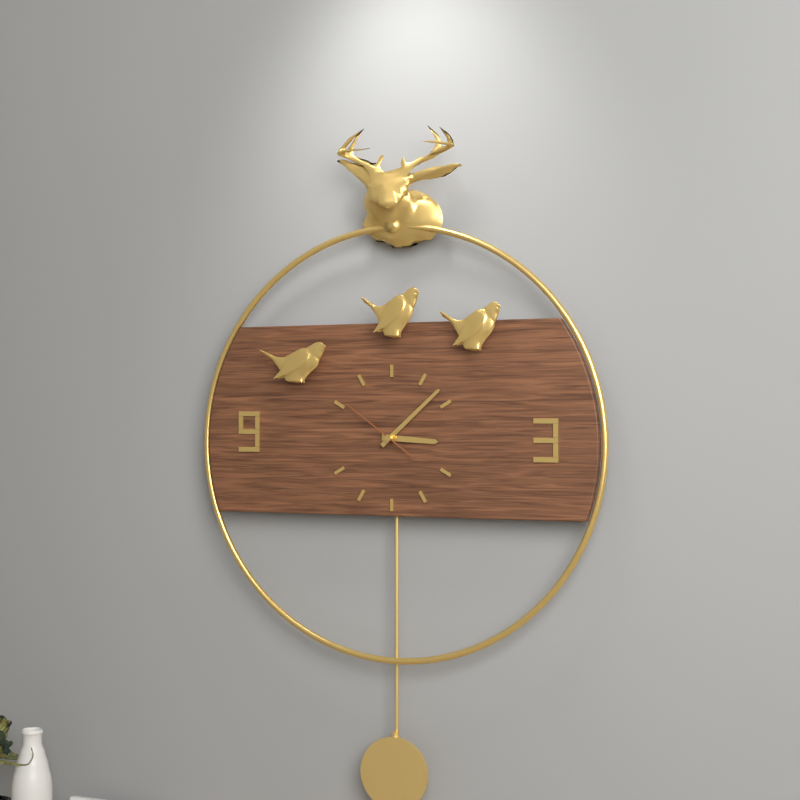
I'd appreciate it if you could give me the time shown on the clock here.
3:08:51
